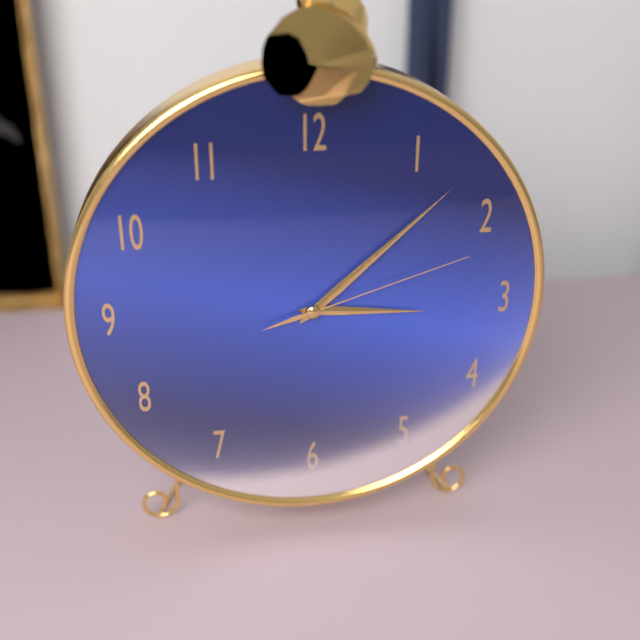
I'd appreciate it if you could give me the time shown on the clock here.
3:08:12
